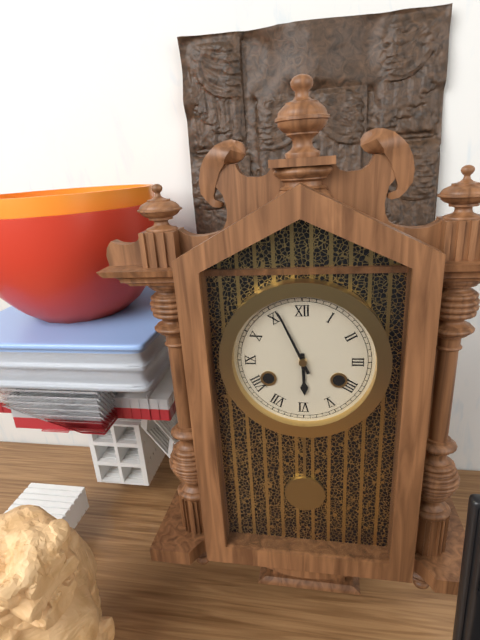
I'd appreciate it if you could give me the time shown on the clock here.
5:56
